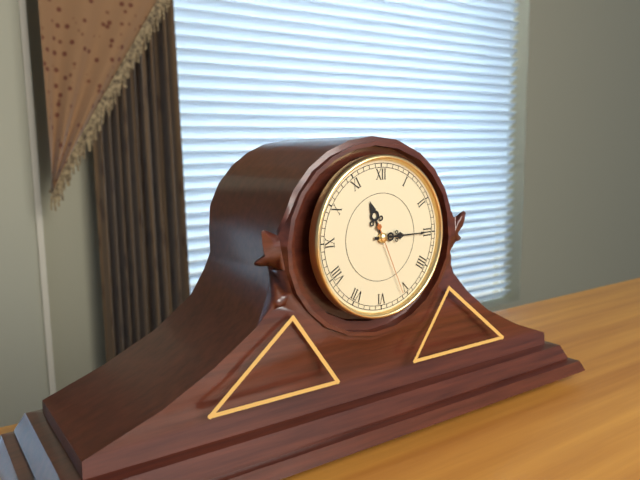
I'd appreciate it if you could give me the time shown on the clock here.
11:15:26
